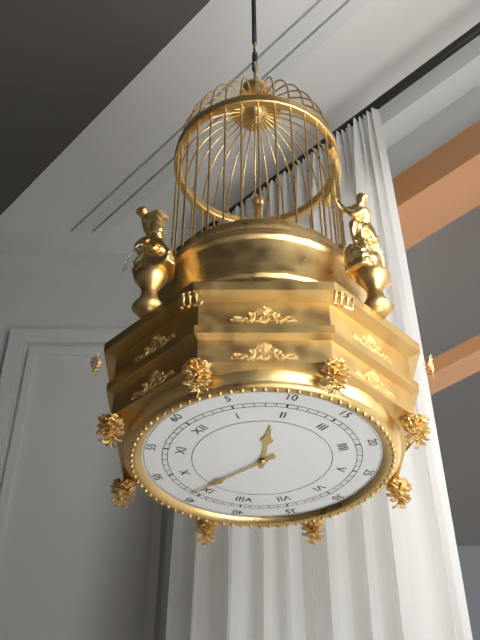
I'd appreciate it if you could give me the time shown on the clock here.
1:46
